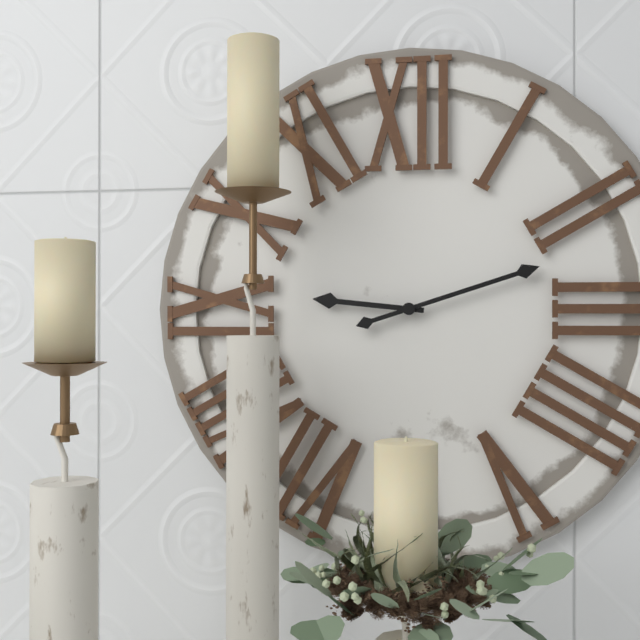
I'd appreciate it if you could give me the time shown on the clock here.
9:12
